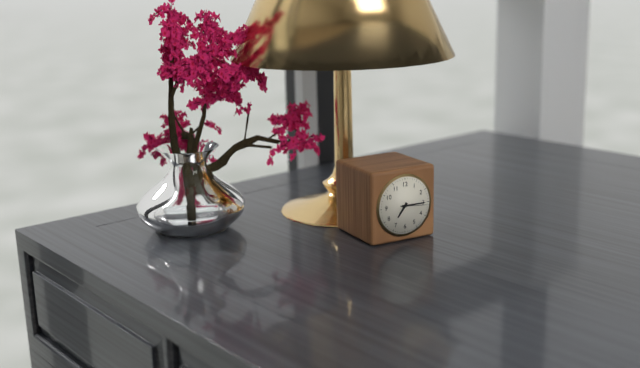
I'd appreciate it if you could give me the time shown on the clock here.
7:15
